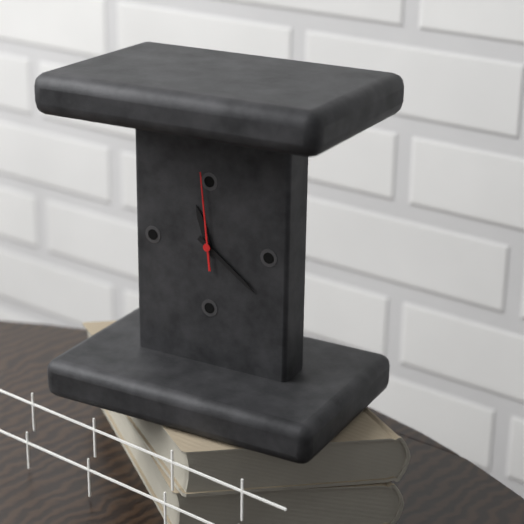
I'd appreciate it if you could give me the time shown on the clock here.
11:21:59
